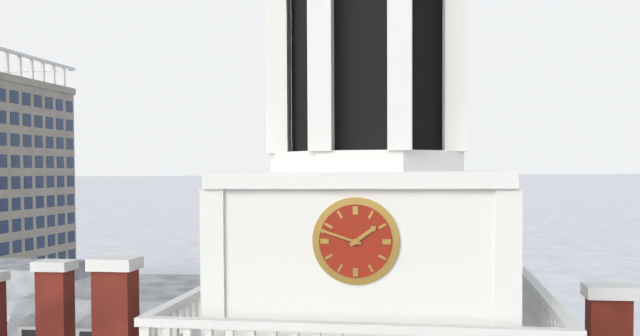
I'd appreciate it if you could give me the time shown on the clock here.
1:48
